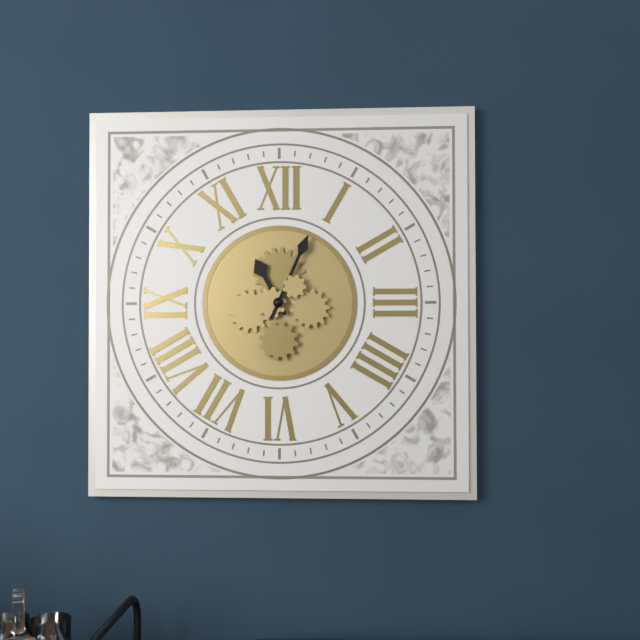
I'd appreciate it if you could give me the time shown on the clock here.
11:04
